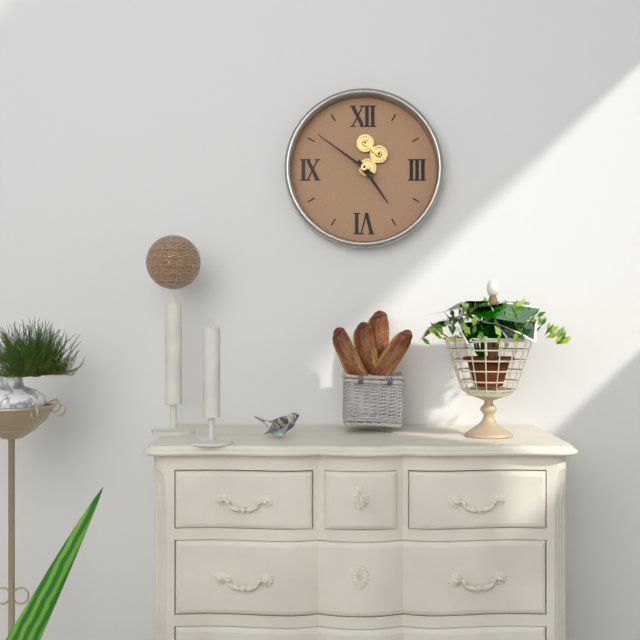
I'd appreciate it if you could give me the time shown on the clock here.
4:51
